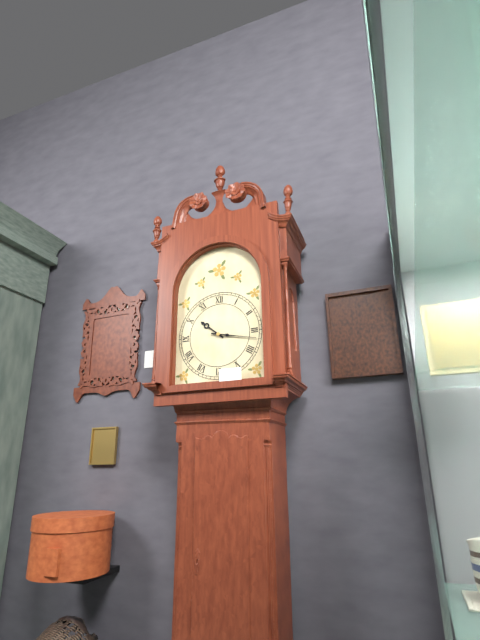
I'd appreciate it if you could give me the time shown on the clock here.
10:17
